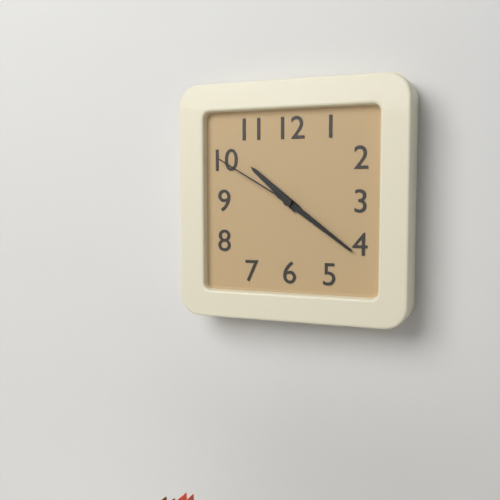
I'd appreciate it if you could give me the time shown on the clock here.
10:21:50
